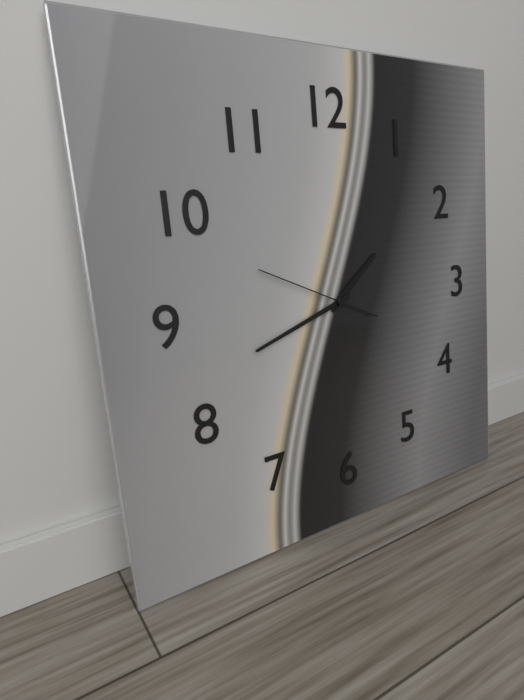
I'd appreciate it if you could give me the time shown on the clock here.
1:42:49
